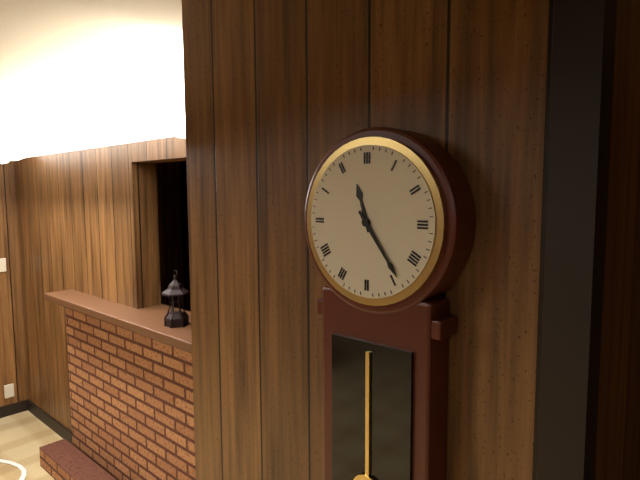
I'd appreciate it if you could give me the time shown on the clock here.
11:24
